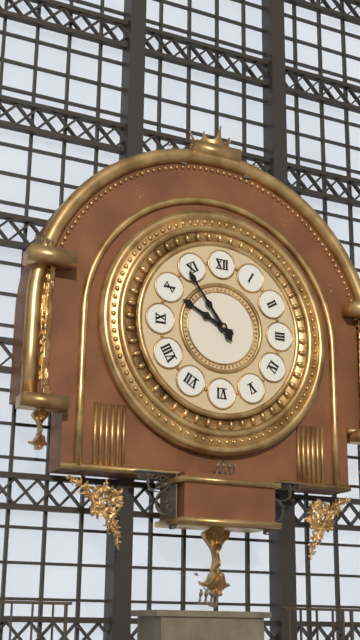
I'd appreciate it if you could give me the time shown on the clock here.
9:54
